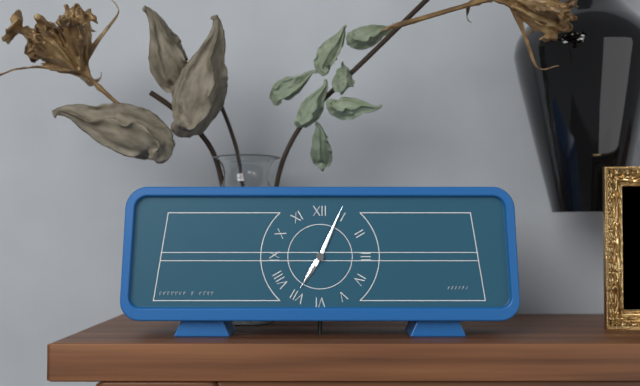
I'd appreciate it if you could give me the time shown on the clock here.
7:04
